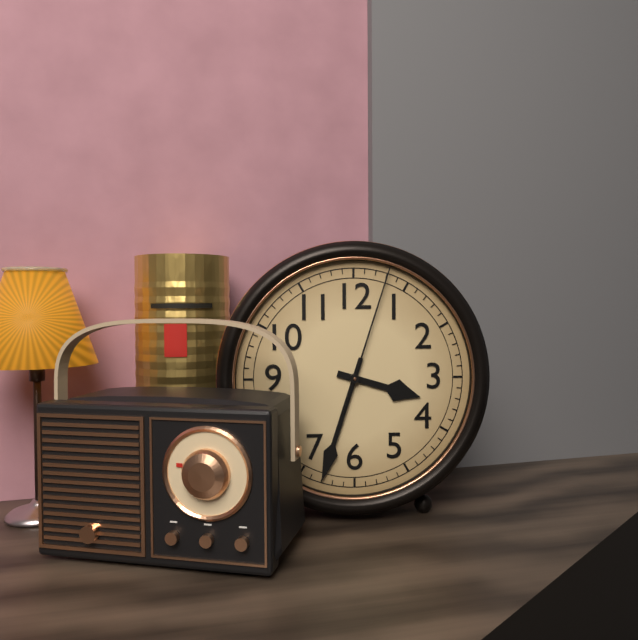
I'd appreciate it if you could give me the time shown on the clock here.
3:33:03
